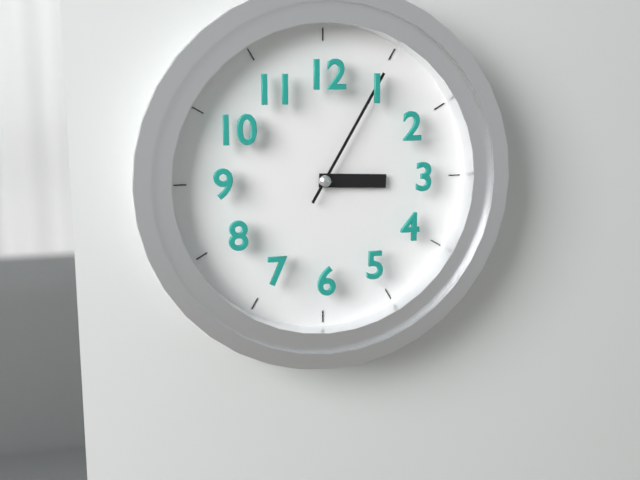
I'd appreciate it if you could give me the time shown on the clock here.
3:05
